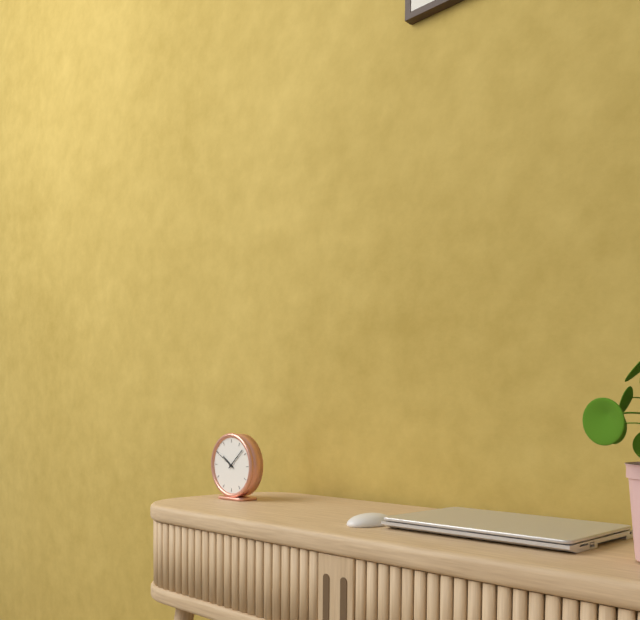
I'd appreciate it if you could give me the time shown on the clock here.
10:08
